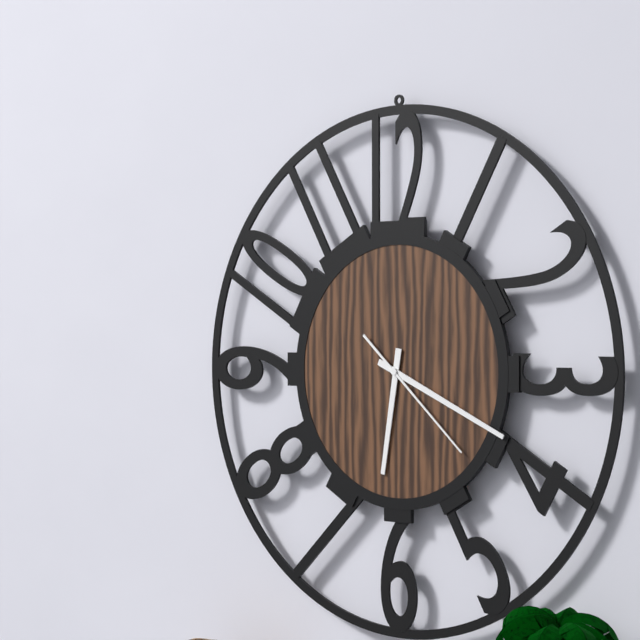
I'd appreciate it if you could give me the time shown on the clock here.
6:19:22
